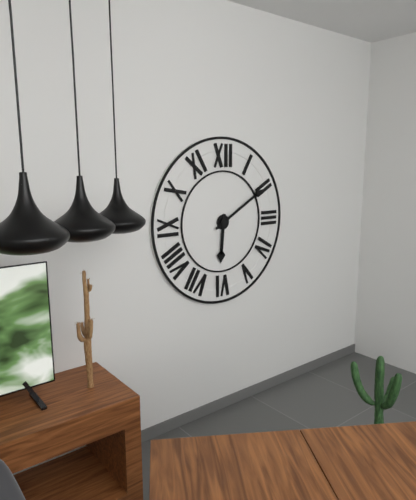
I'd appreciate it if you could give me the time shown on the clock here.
6:10
